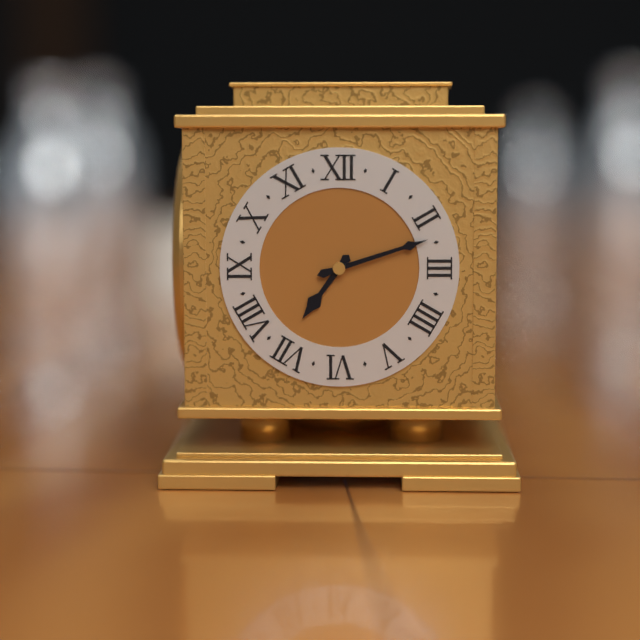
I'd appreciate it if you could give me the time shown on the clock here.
7:12
